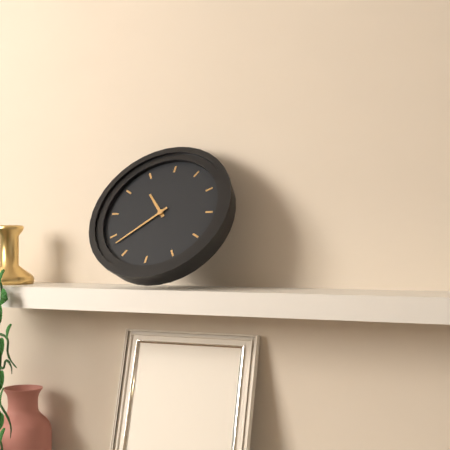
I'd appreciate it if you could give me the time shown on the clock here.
10:38
